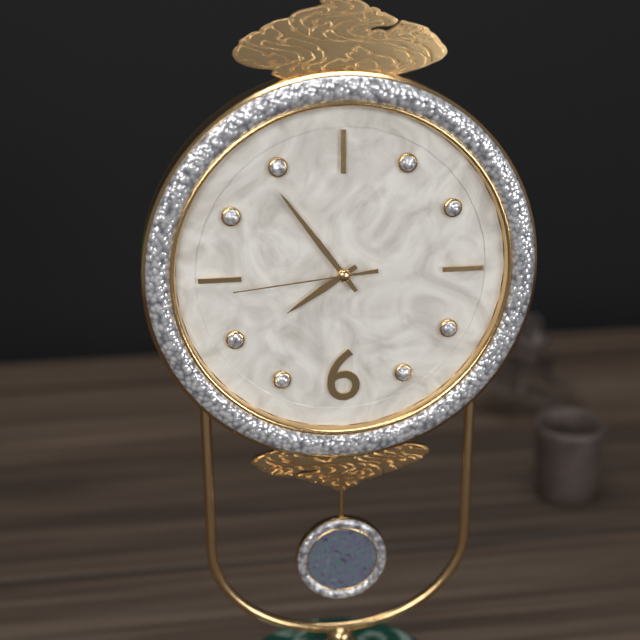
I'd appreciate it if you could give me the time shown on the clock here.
7:54:44
